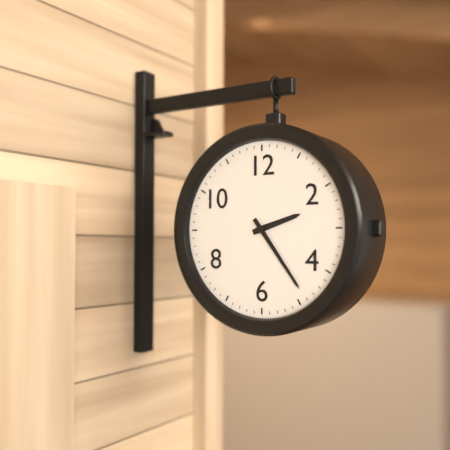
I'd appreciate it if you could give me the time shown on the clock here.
2:24
